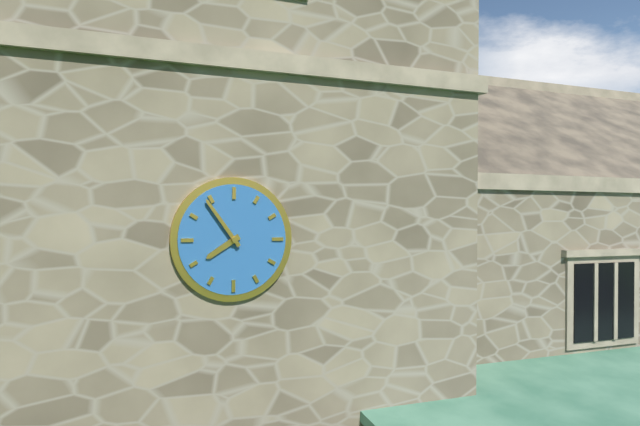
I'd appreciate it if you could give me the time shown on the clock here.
7:54
